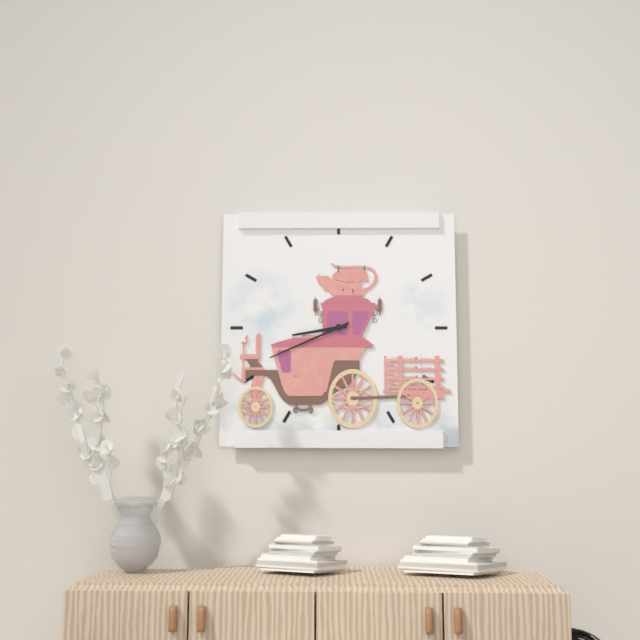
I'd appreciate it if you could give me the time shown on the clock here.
8:41
